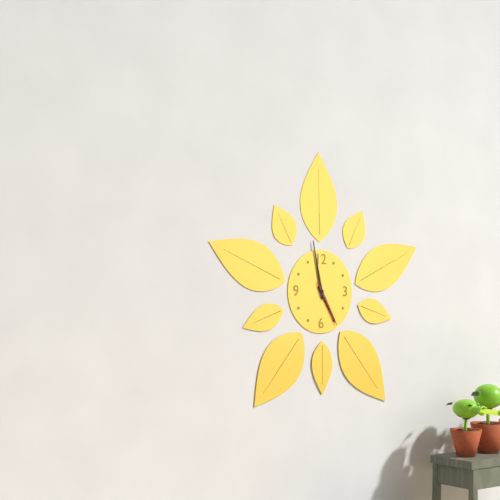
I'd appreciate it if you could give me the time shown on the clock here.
4:58
